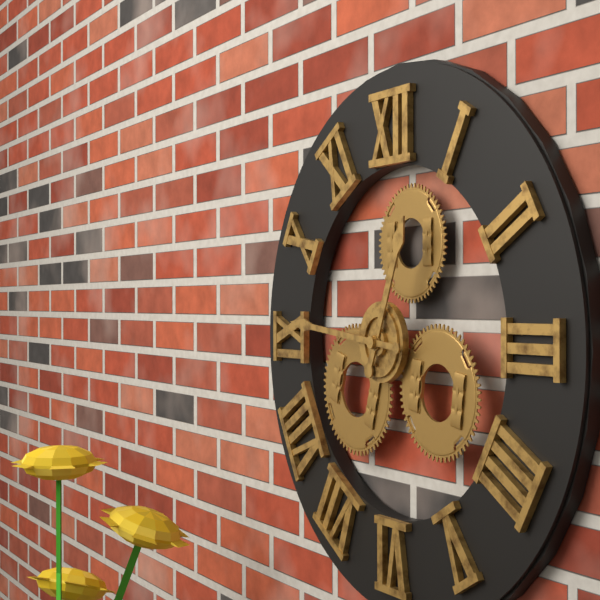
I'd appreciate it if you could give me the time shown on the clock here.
12:46
